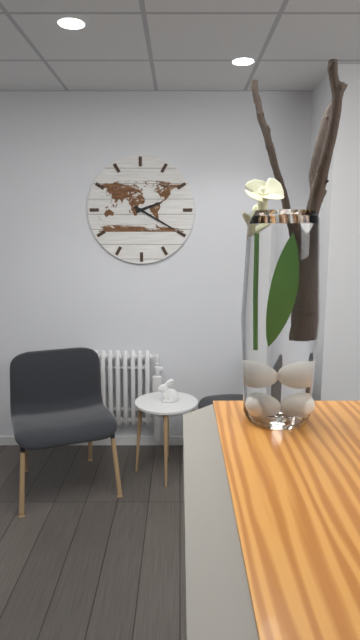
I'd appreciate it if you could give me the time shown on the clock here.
2:20
